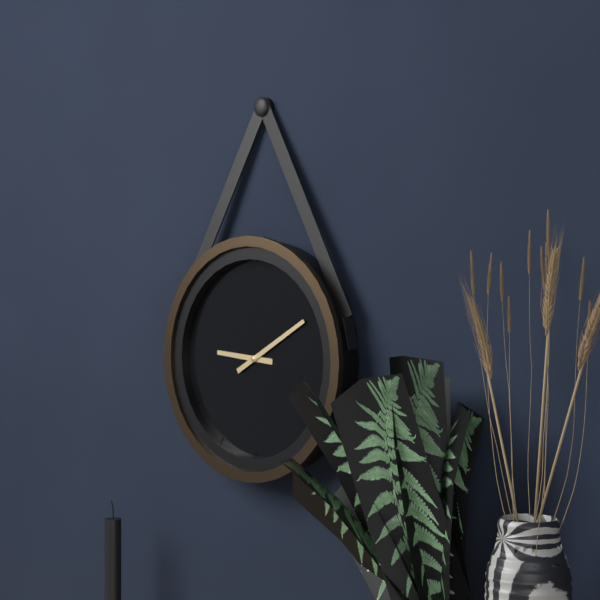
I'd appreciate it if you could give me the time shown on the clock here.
9:10
